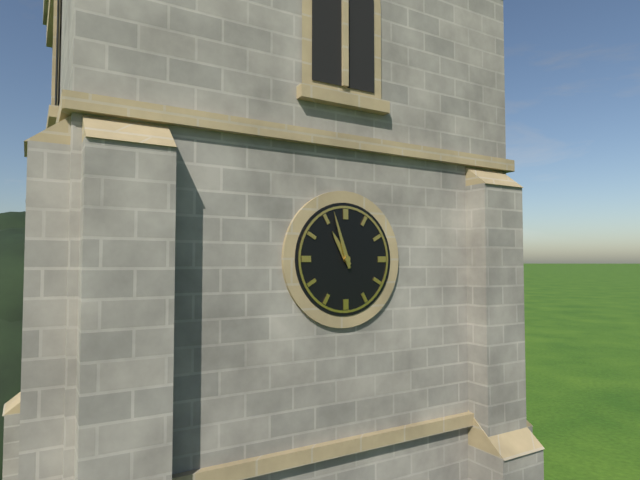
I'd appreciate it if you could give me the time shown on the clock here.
10:57
